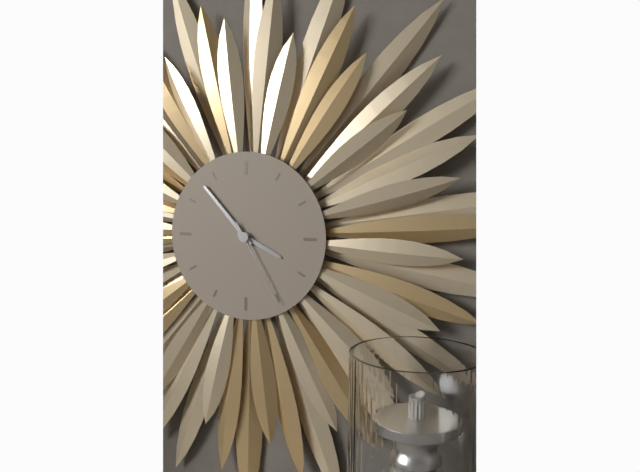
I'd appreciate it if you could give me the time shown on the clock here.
3:53:25
